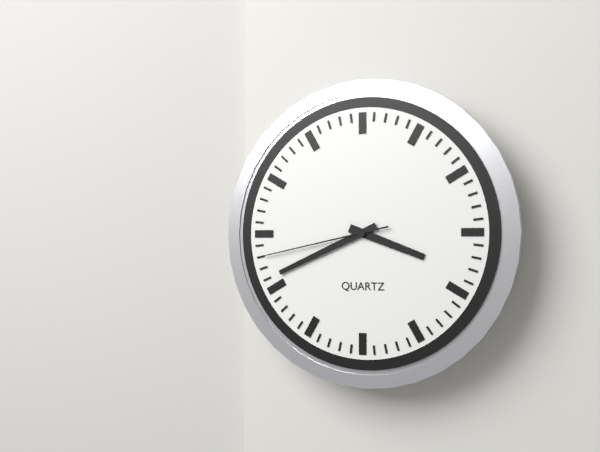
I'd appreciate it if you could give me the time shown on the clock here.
3:41:43
